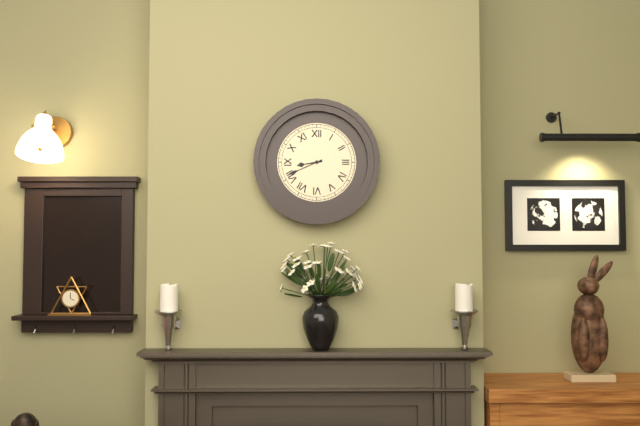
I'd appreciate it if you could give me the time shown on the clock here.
8:41
